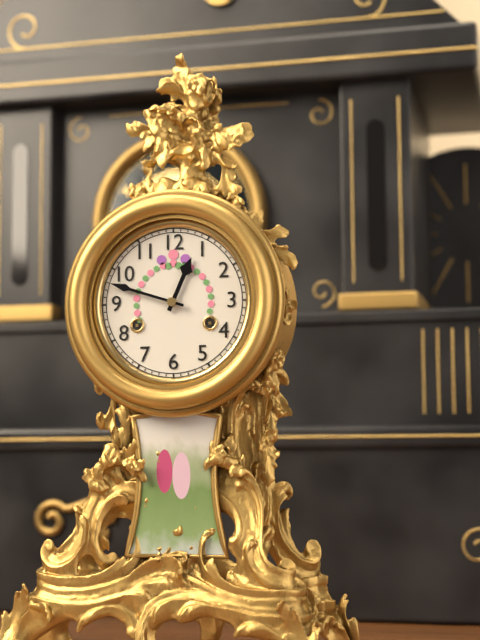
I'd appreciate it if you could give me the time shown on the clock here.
12:48
